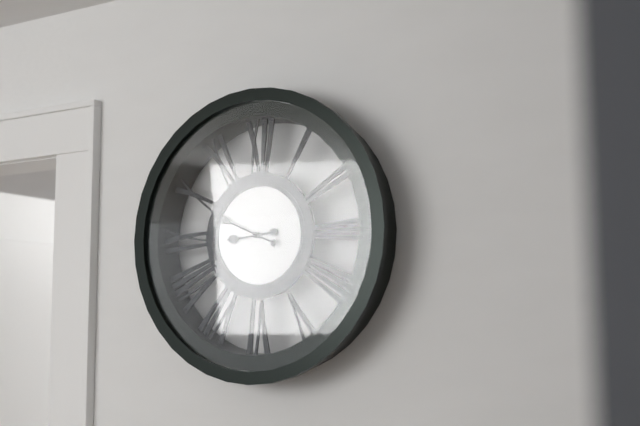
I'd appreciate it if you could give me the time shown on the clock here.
8:49
